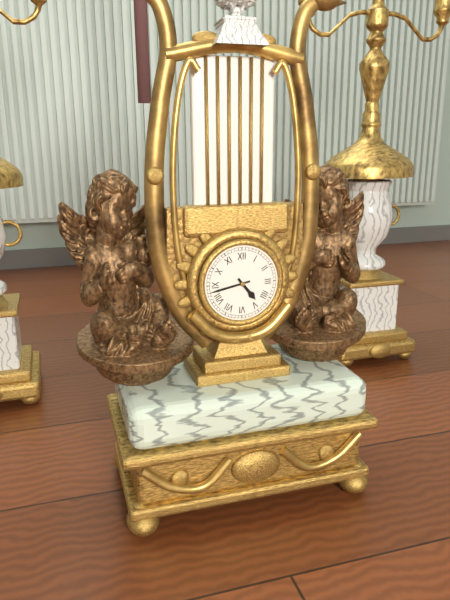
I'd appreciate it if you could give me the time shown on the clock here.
4:43
